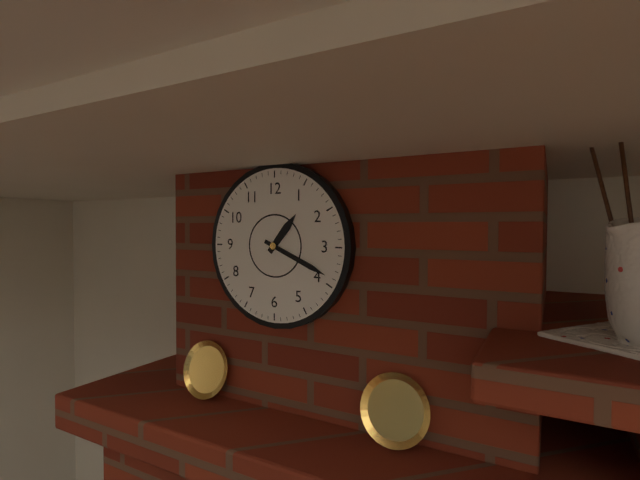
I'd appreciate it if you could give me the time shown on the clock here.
1:19
